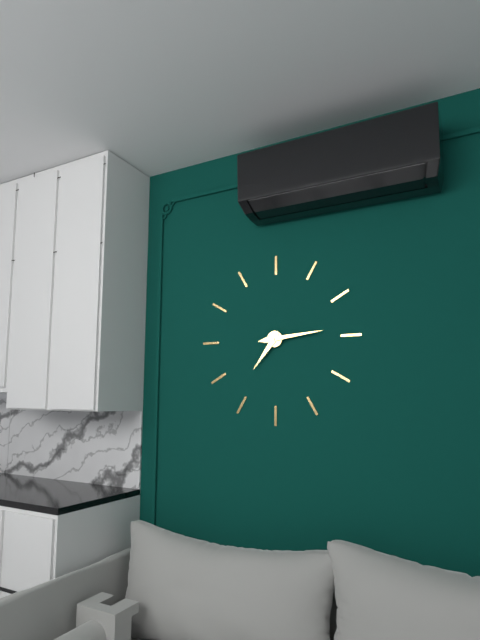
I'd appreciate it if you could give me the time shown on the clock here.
7:14
